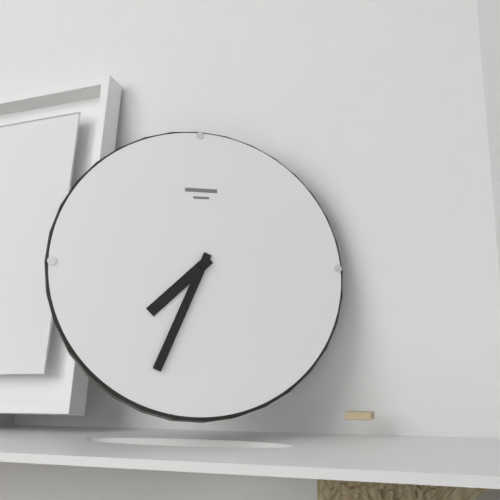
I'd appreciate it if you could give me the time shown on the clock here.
7:34
